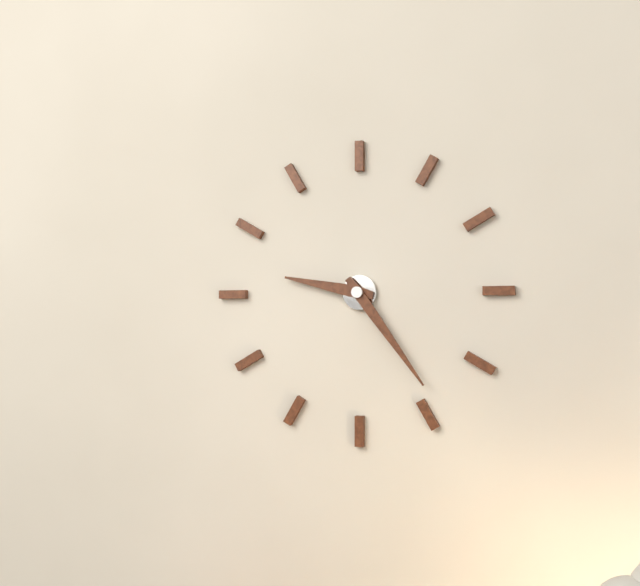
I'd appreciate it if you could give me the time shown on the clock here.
9:24
